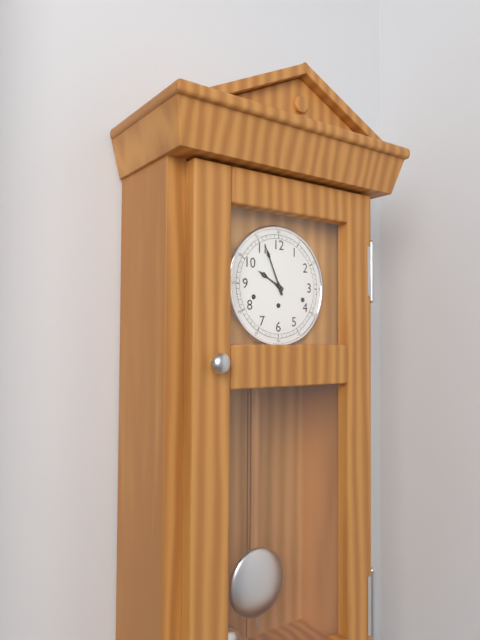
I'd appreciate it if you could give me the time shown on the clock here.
9:56
